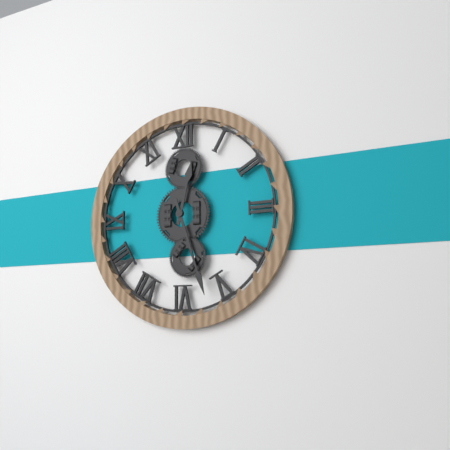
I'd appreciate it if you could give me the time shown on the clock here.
12:27
